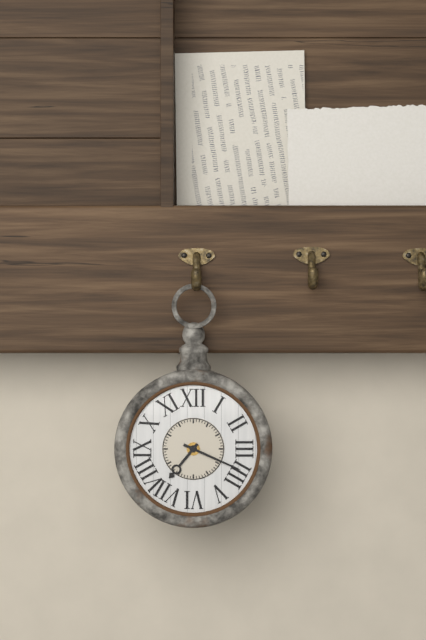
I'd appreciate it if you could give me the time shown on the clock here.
7:19
